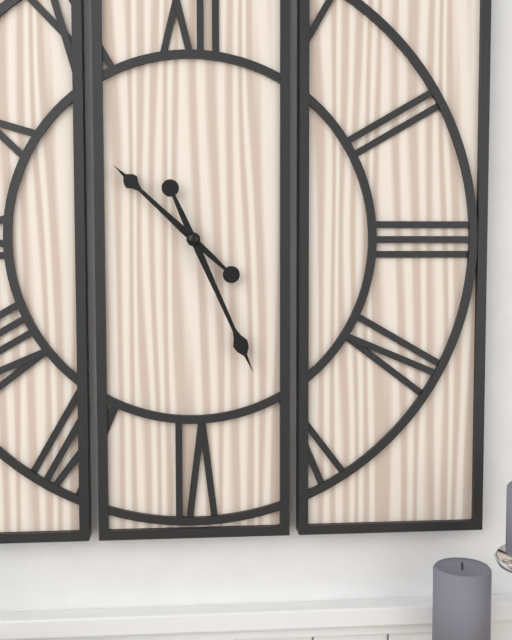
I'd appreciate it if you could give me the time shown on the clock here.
10:26
